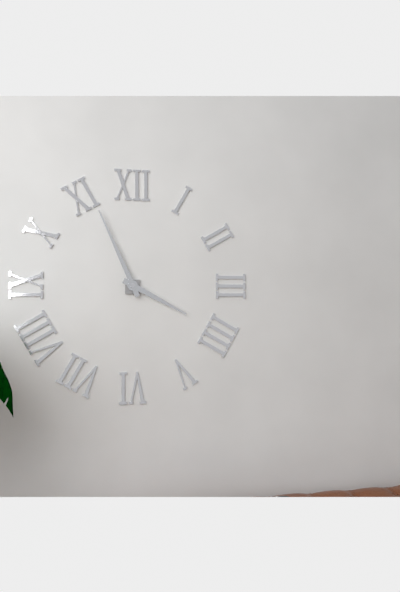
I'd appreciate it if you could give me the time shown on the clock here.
3:56
